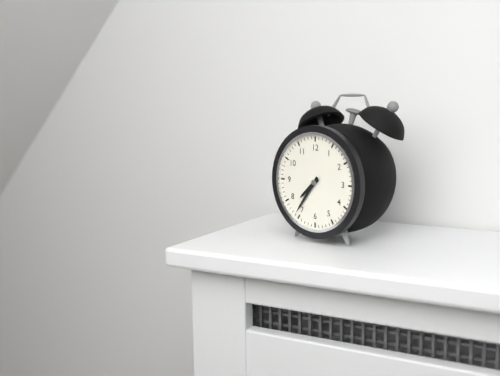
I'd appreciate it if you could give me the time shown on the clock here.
7:36
